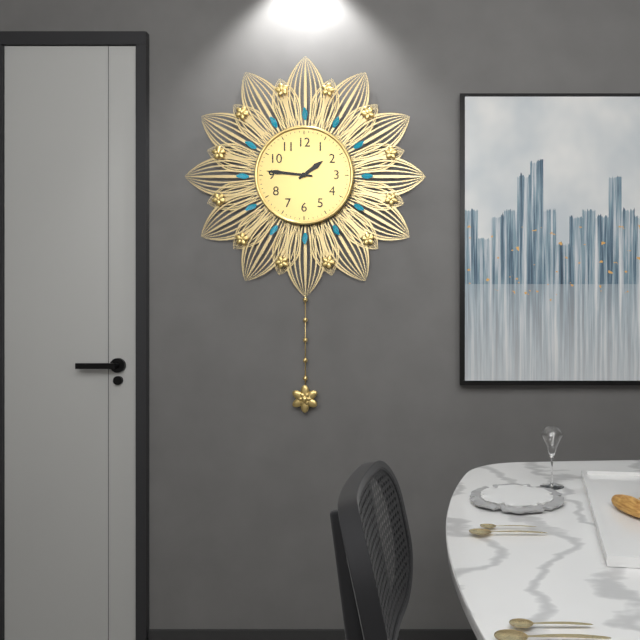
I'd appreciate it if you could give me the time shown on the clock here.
1:46
